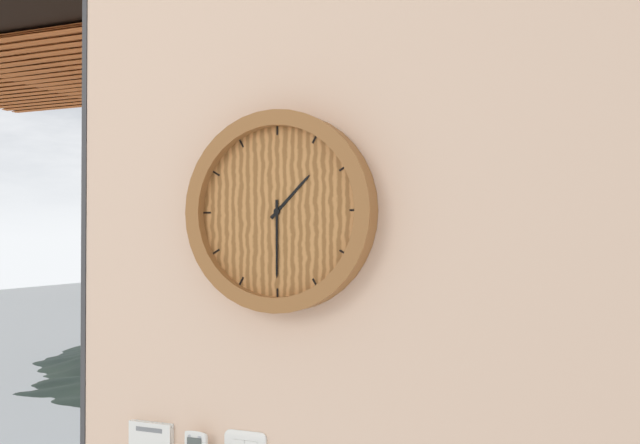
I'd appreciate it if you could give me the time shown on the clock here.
1:30
